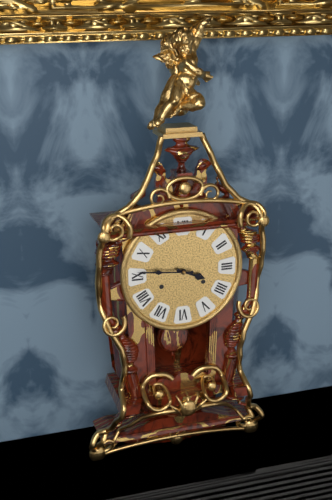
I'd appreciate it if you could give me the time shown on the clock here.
3:46
